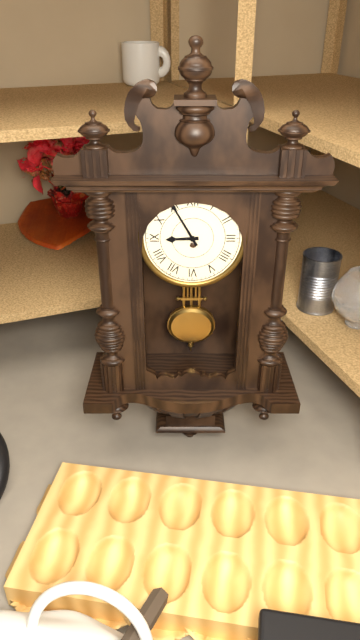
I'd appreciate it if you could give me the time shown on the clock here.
8:55
